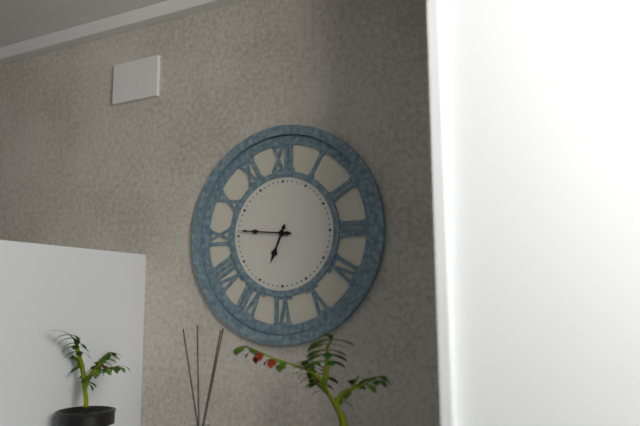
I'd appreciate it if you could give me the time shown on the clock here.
6:46
